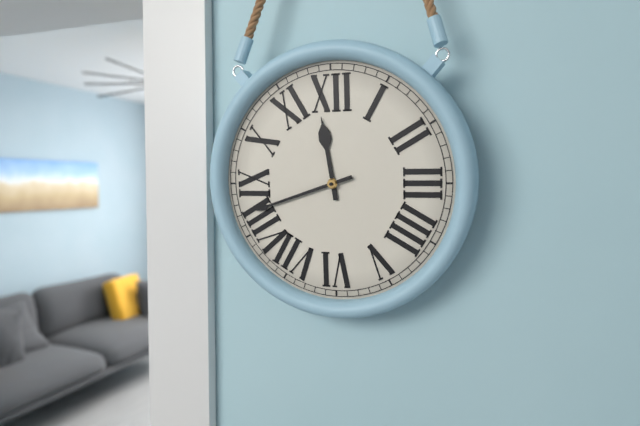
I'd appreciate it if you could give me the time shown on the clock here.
11:42
